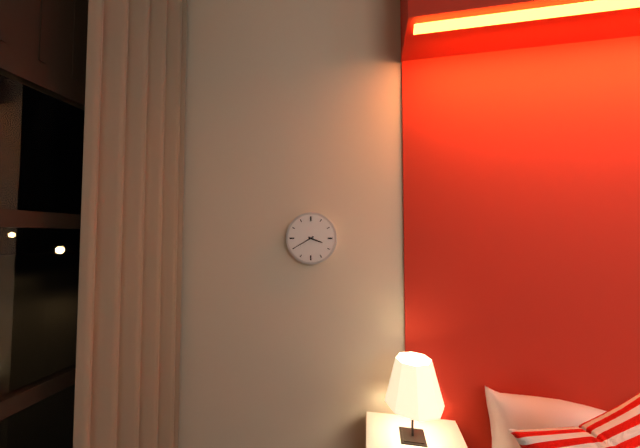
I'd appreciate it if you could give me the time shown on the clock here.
3:40
